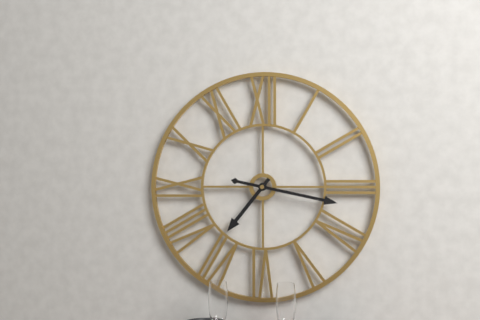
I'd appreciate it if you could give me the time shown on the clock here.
7:17
